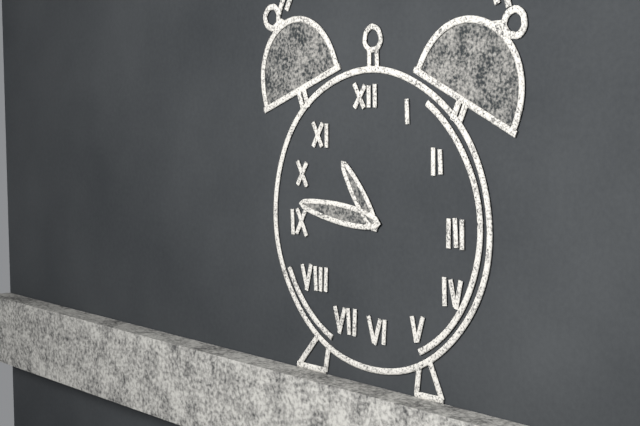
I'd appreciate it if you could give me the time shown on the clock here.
10:46
